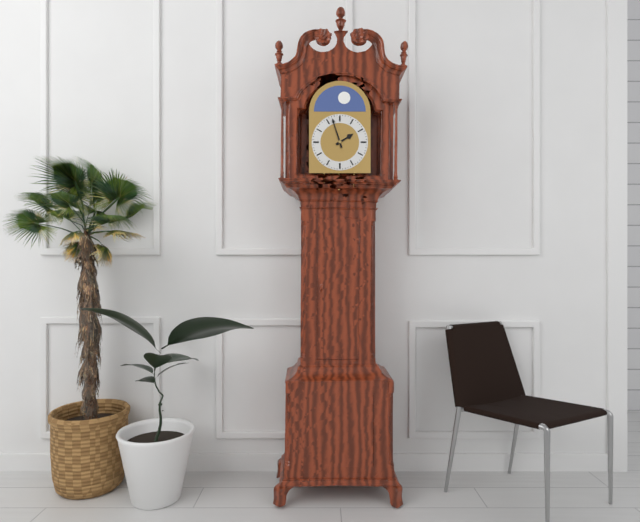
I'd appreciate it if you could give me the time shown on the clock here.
1:57
